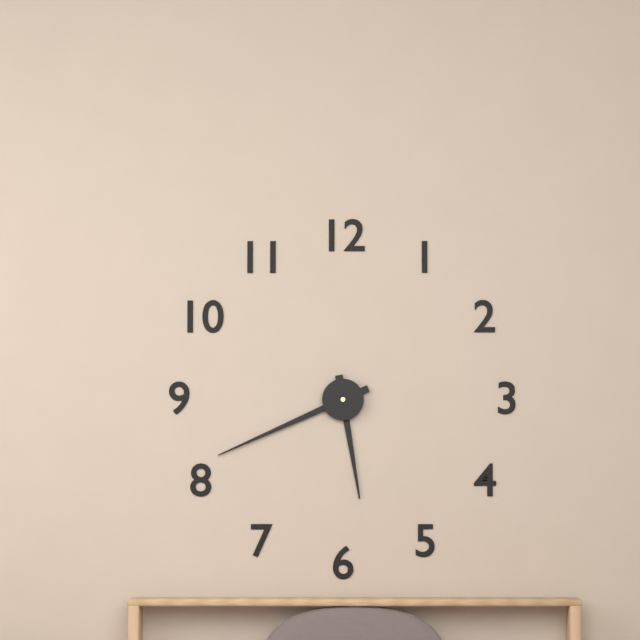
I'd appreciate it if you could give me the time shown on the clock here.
5:41
